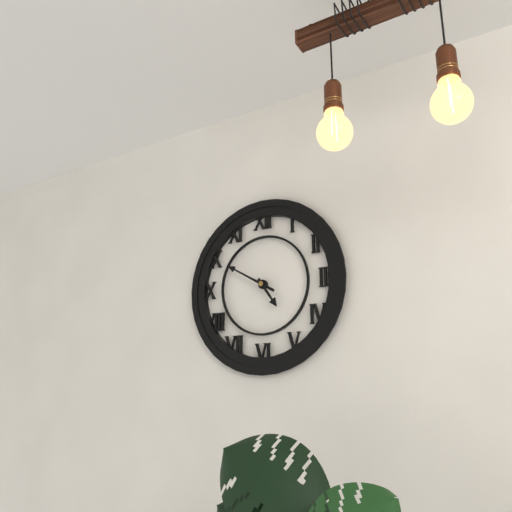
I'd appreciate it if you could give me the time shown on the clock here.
4:50
